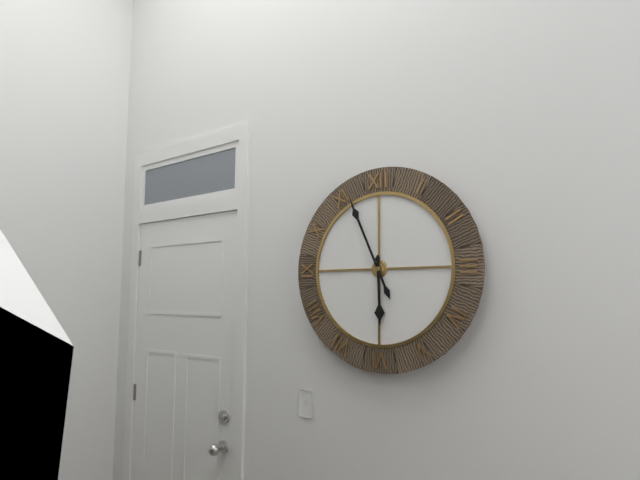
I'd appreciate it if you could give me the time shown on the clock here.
5:56
